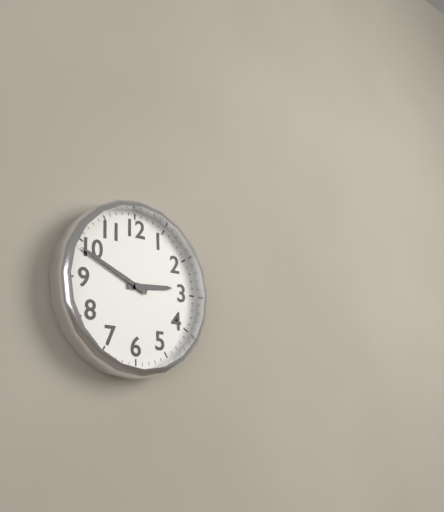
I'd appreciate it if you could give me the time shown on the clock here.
2:49
